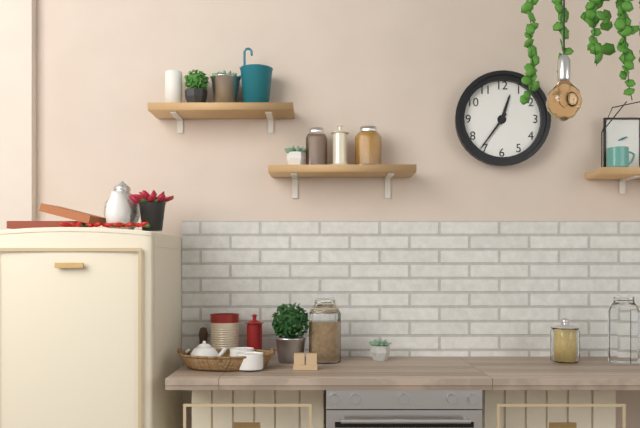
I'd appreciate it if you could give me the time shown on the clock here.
12:36
